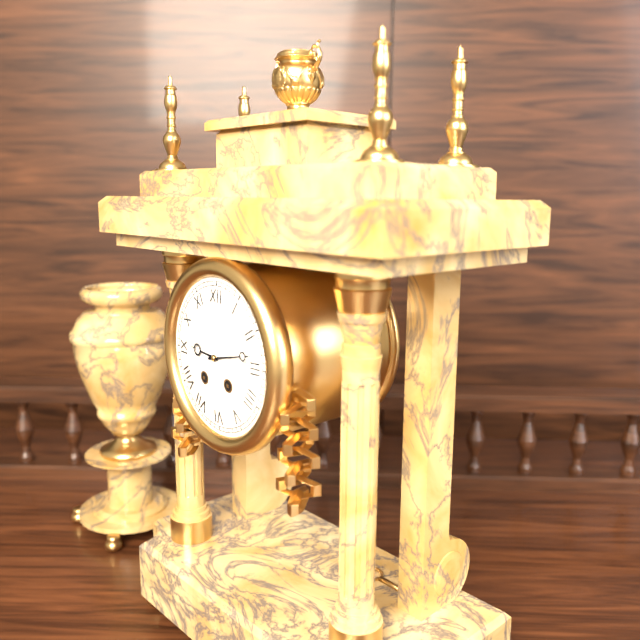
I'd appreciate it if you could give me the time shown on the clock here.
9:13
